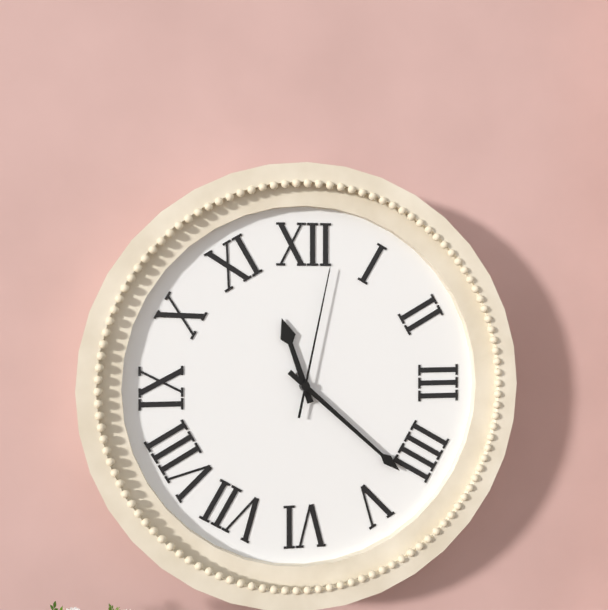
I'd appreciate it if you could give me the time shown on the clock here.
11:22:02
